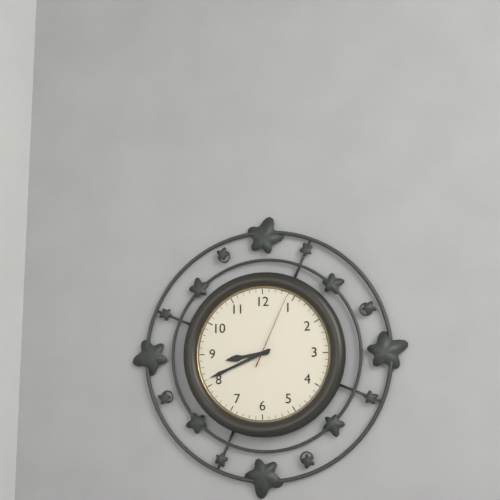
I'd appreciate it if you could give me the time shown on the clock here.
8:41:04
